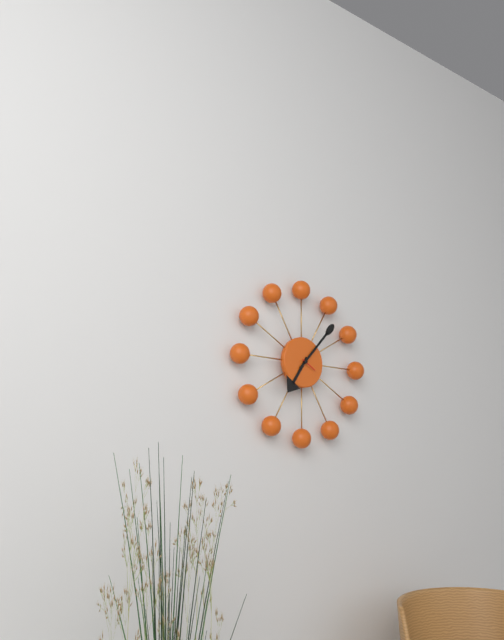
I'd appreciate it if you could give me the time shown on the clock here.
7:07
